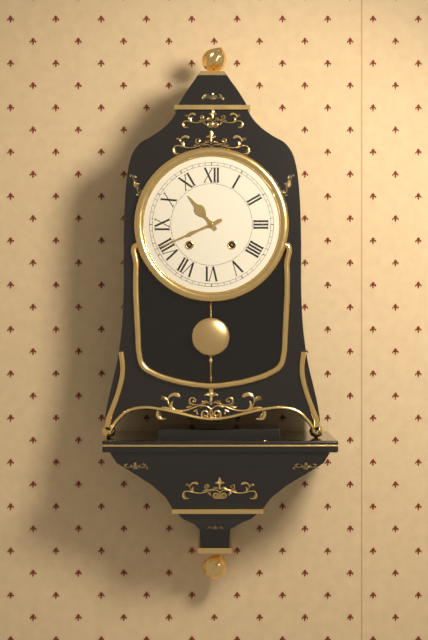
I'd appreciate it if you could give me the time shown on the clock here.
10:41
